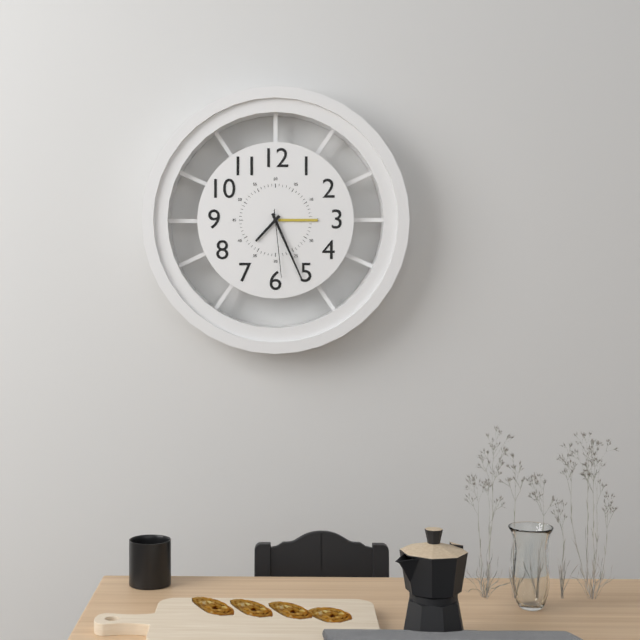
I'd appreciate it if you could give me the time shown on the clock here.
7:26:29
